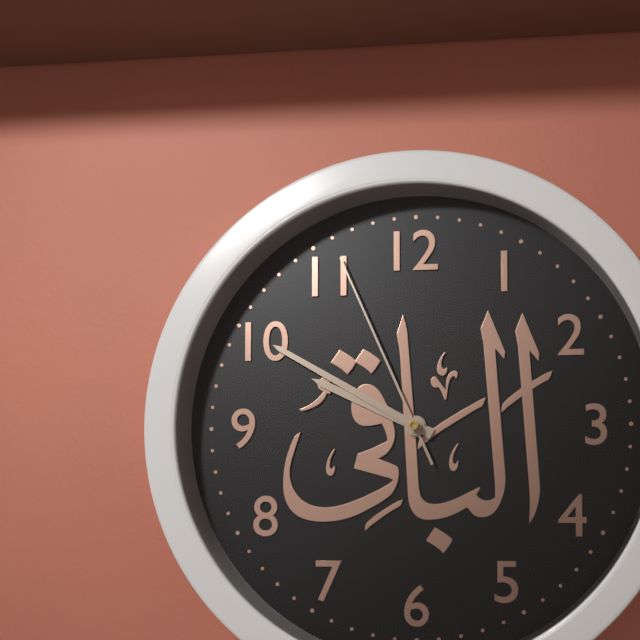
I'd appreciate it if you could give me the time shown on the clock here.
9:50:56
